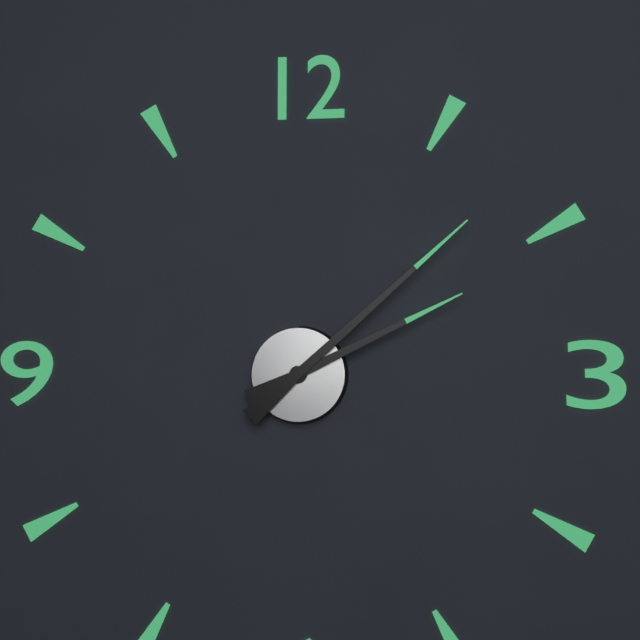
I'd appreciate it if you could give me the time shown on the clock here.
2:08
